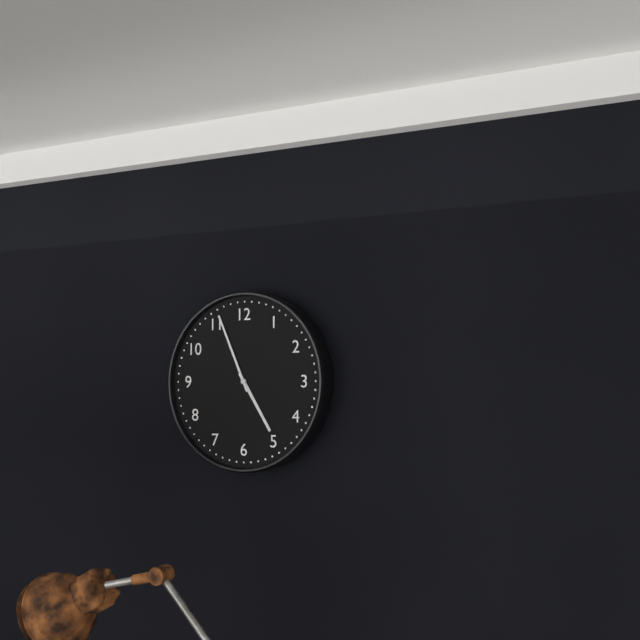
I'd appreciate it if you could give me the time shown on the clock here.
4:56
